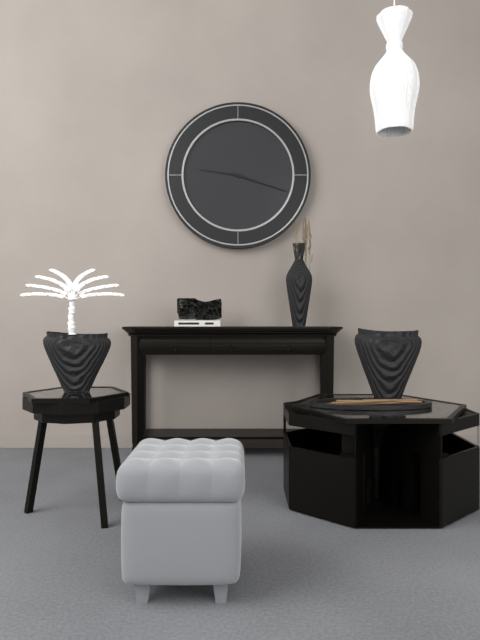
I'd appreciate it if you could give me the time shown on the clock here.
9:18
